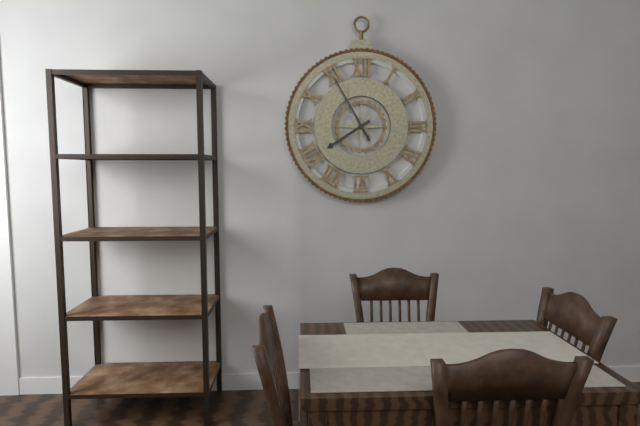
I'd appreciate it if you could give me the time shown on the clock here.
7:55
